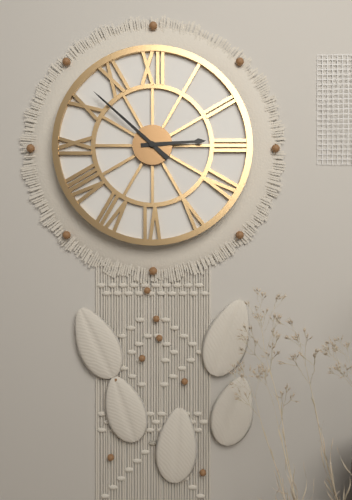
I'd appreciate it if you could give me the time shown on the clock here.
2:52
